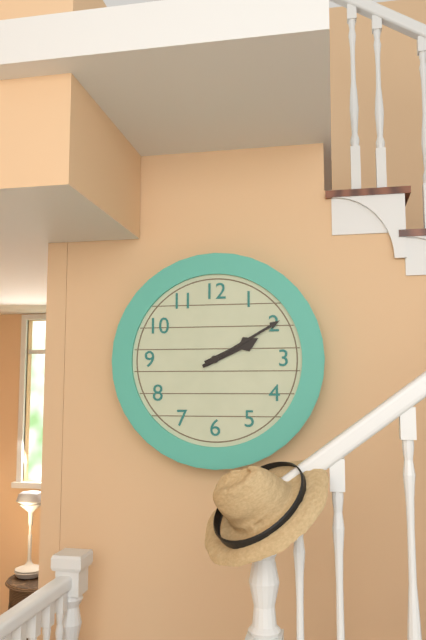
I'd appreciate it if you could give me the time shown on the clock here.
2:10
